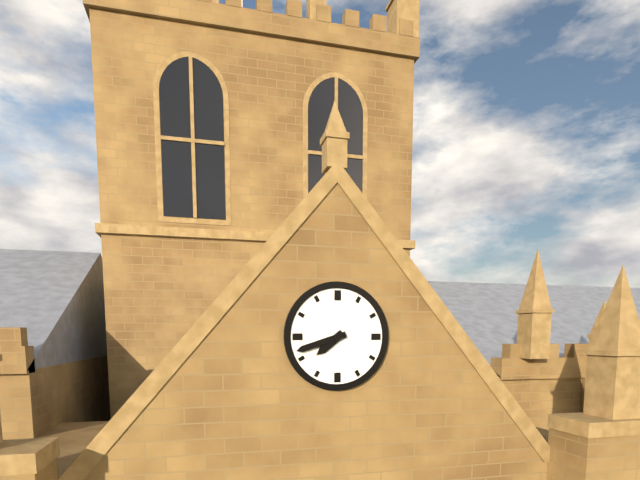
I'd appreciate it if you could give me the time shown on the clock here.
7:42
